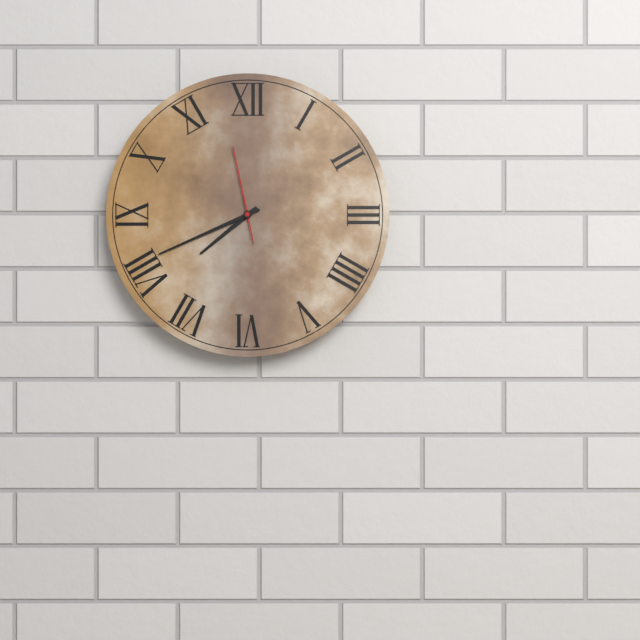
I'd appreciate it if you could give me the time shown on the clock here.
7:41:58
